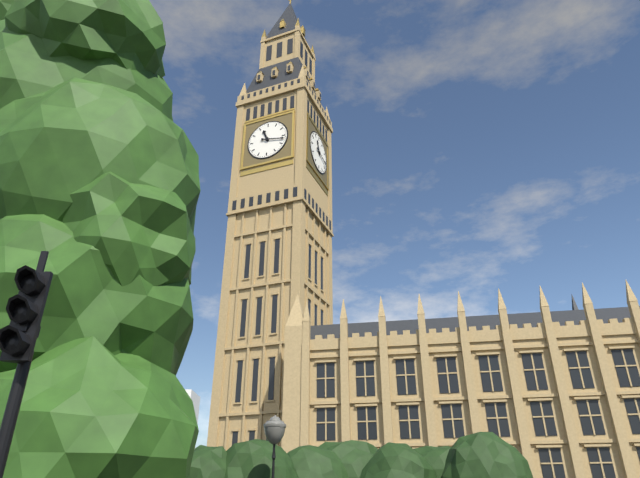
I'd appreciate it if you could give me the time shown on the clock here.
11:17
